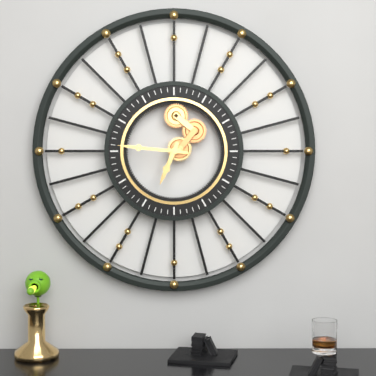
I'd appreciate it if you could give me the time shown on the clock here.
6:46
